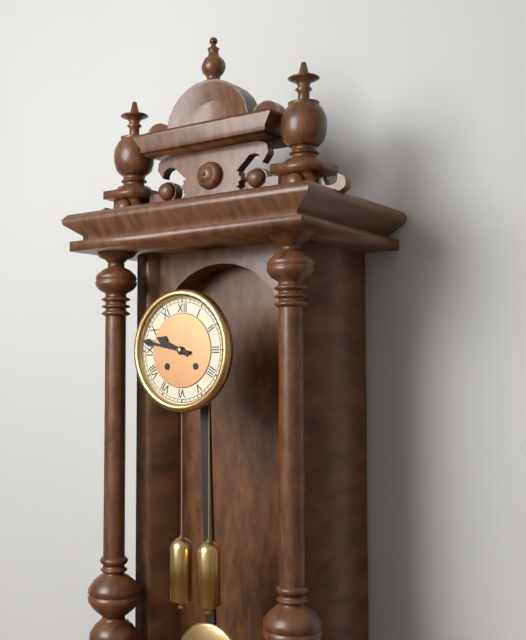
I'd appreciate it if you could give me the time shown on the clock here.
9:47
